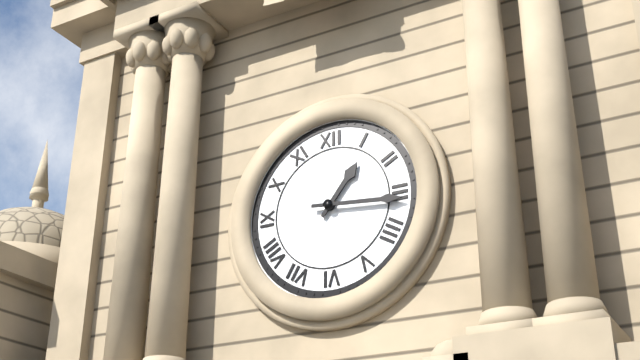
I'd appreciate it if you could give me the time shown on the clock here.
1:16
